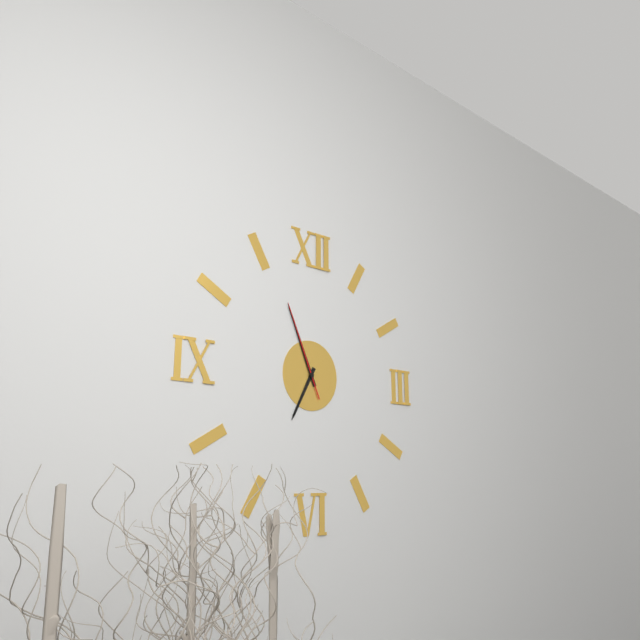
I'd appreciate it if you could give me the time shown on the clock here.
6:56:56
